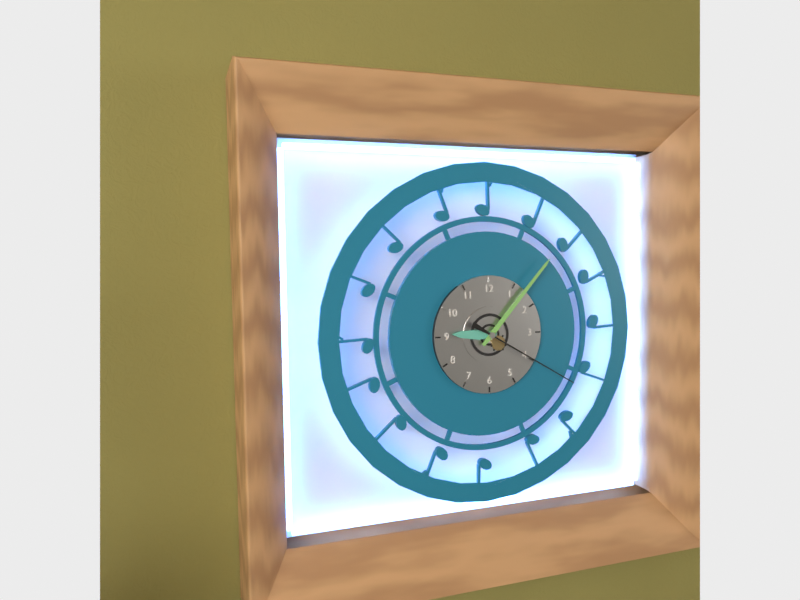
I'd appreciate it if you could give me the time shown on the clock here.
9:07:20
